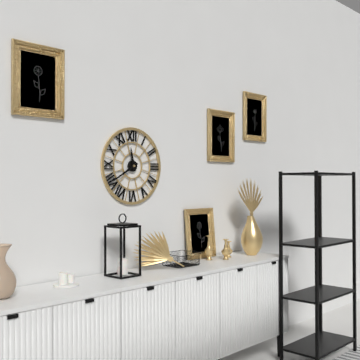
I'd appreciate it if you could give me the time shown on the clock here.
11:40
